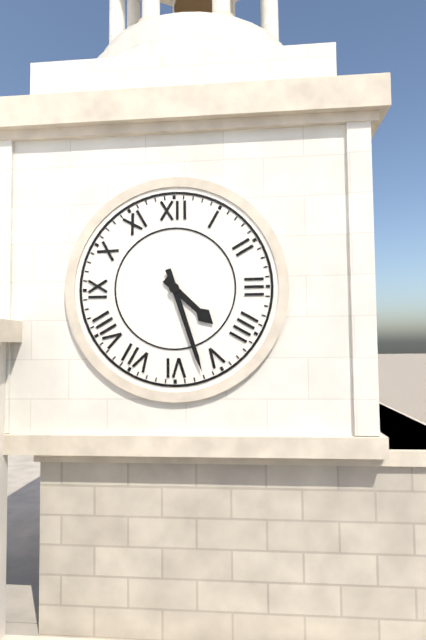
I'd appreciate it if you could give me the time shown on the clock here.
4:27
